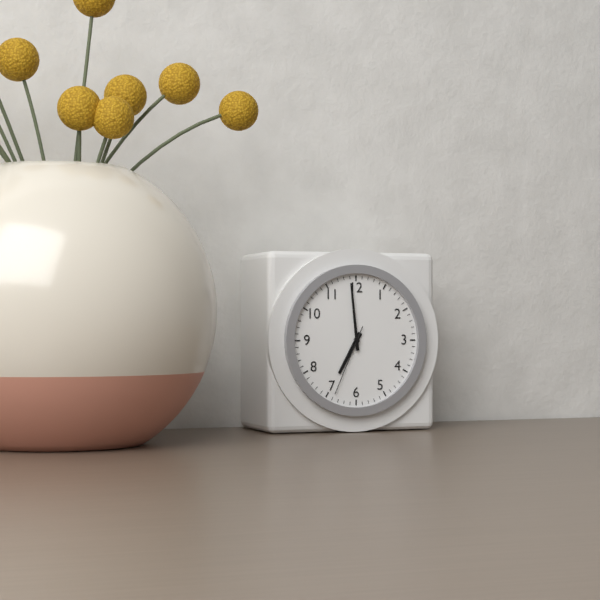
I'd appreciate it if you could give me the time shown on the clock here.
6:59:34
